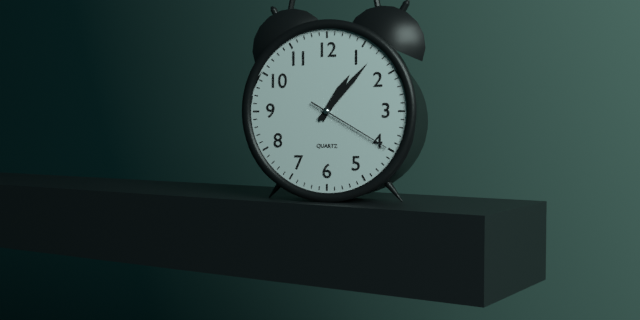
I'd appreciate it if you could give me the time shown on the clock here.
1:07:20
